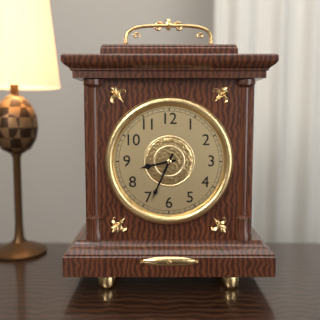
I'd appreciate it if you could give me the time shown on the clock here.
8:34
